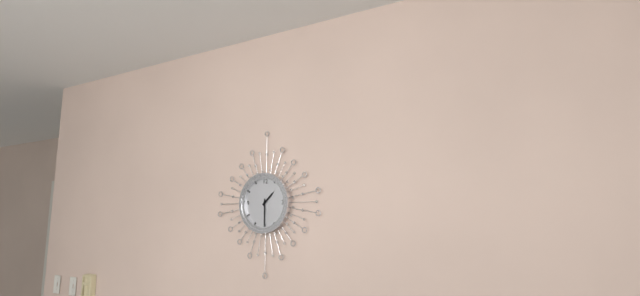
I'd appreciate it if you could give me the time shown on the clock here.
1:30
